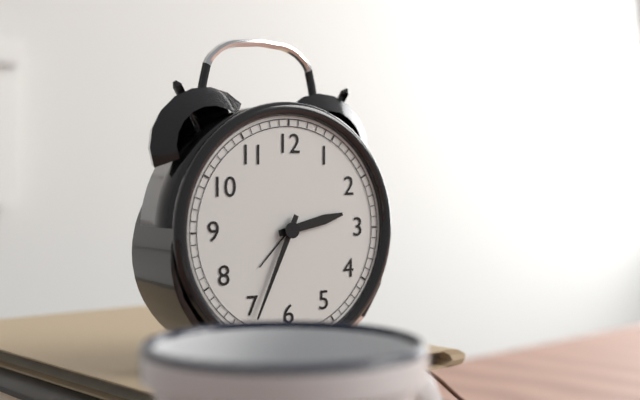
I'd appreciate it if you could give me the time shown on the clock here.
2:34
